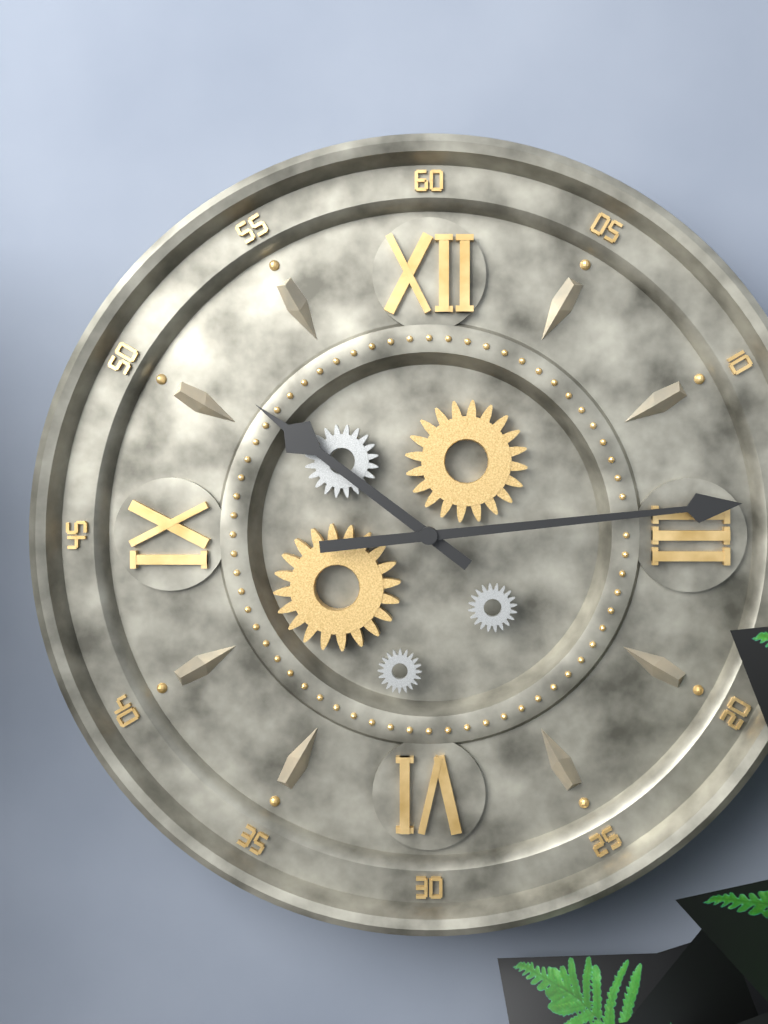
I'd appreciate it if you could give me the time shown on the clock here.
10:14
